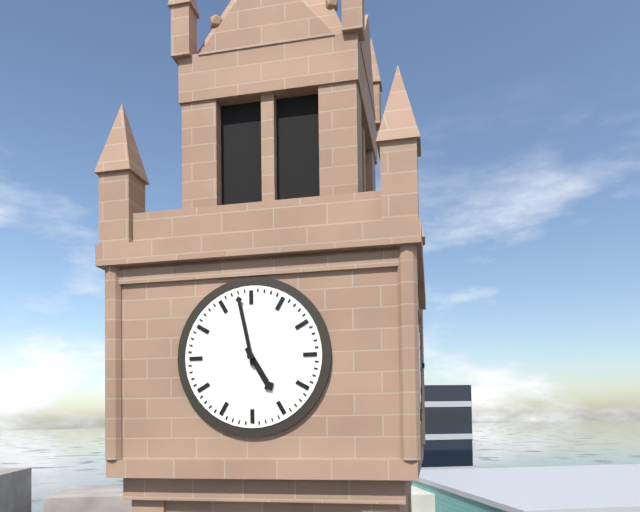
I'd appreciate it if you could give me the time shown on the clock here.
4:58
